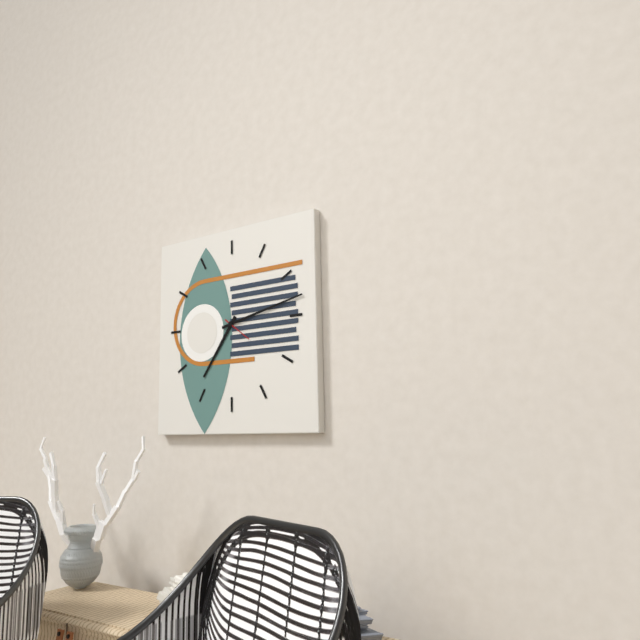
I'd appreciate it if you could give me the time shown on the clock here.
7:13
